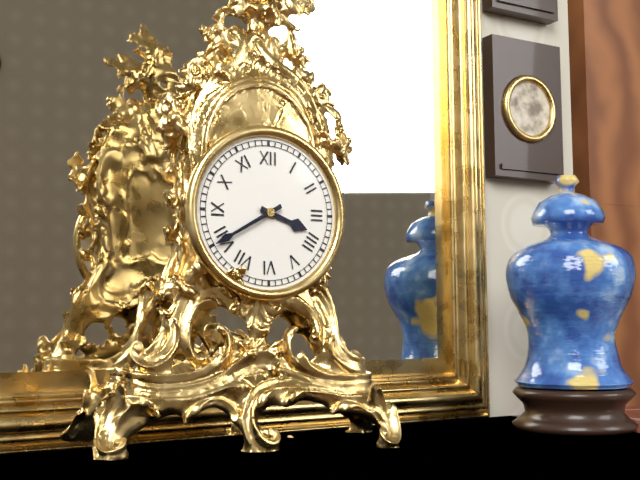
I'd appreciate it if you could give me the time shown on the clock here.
3:40
